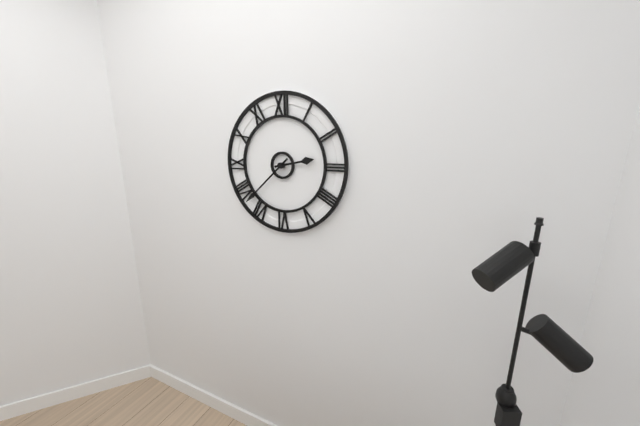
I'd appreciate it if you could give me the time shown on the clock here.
2:38
